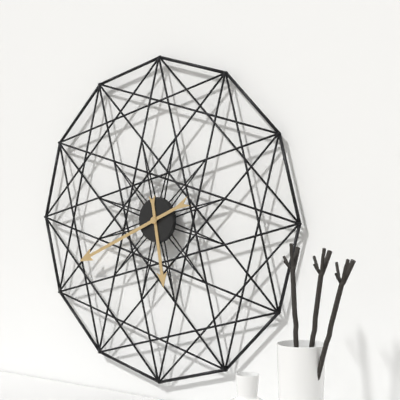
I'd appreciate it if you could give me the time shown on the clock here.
5:41
